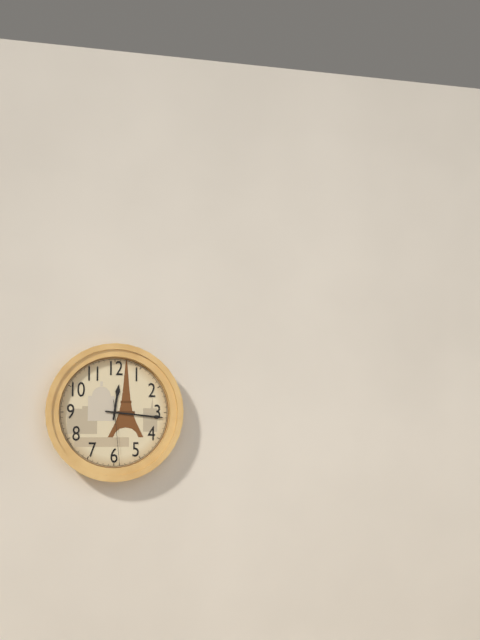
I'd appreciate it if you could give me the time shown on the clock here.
12:16:29
